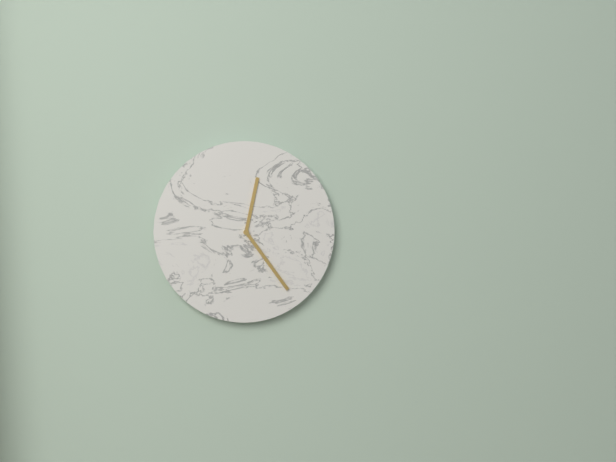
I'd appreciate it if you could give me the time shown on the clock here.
12:24
